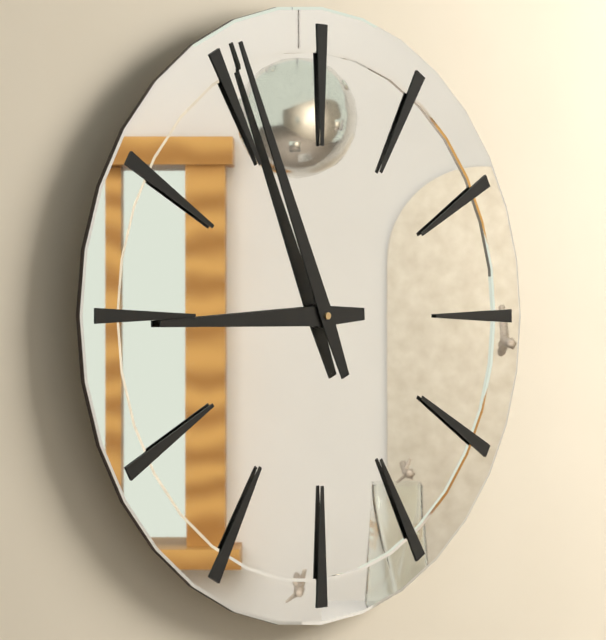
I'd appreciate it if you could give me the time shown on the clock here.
8:56
